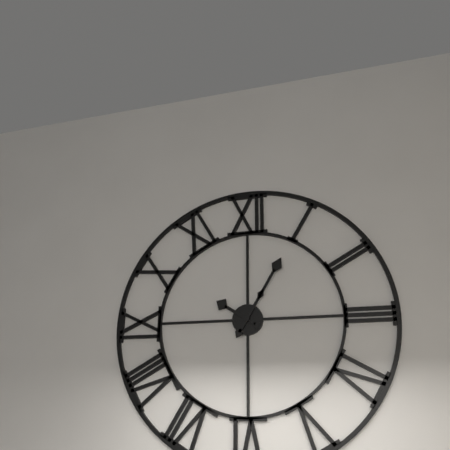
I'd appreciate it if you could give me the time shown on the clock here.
10:05
